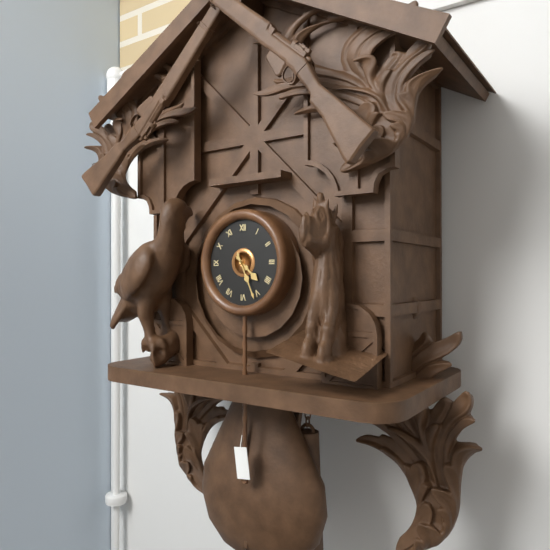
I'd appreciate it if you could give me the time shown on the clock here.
4:26
